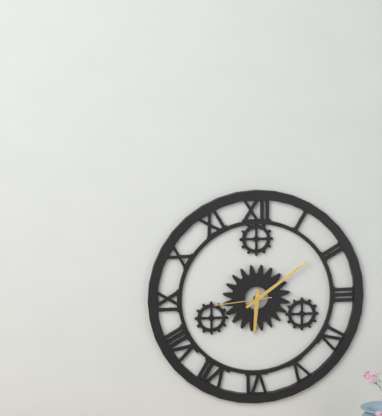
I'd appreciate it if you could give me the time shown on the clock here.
6:09:44
